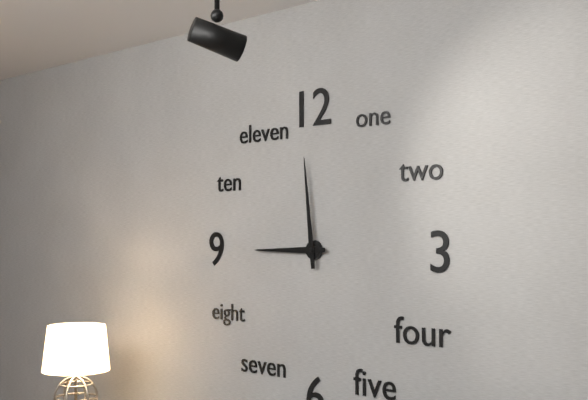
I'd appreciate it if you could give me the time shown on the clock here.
8:59
